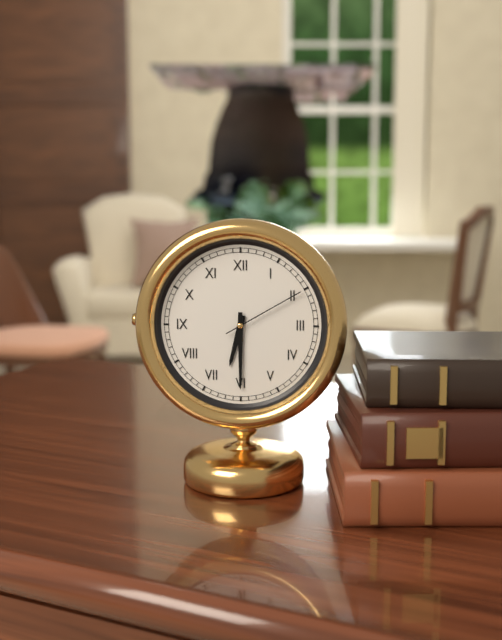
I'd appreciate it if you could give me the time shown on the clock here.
6:30:10
